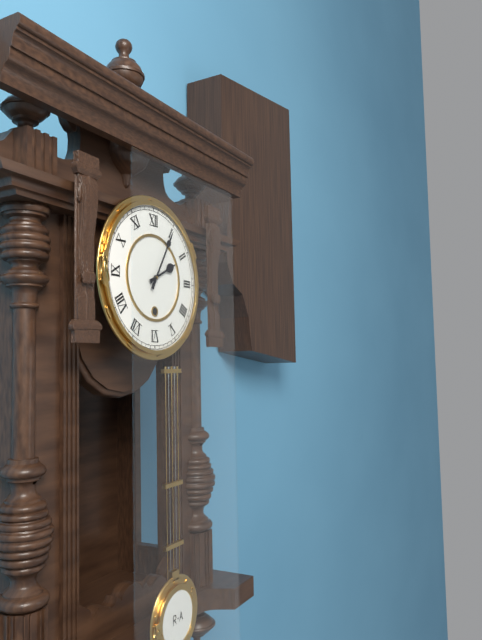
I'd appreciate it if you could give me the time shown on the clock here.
2:05
